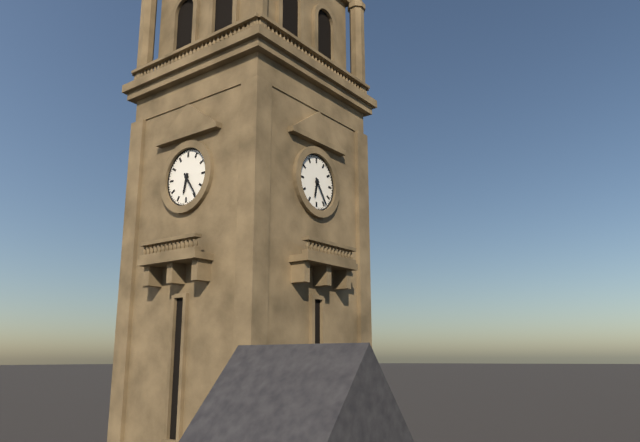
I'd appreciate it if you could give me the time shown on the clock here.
6:24
